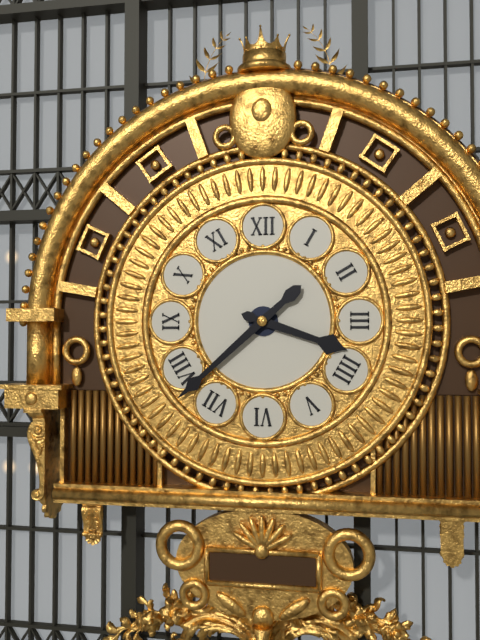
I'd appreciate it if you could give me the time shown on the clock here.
3:38
